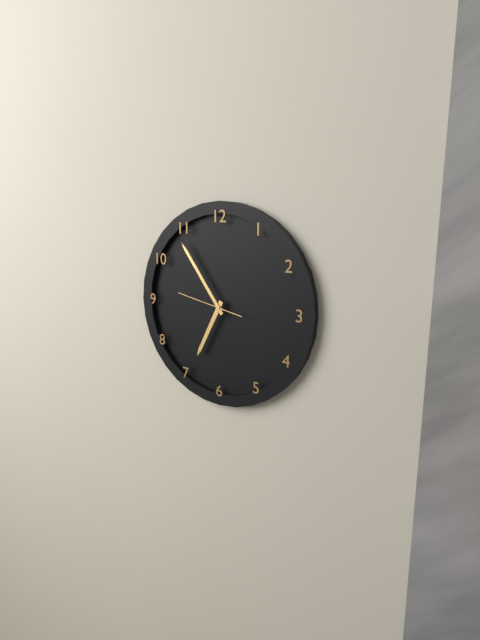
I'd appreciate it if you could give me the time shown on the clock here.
6:54:47
